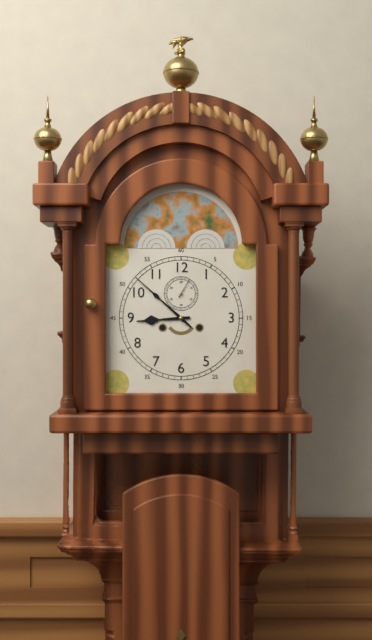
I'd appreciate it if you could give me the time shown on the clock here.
8:52
